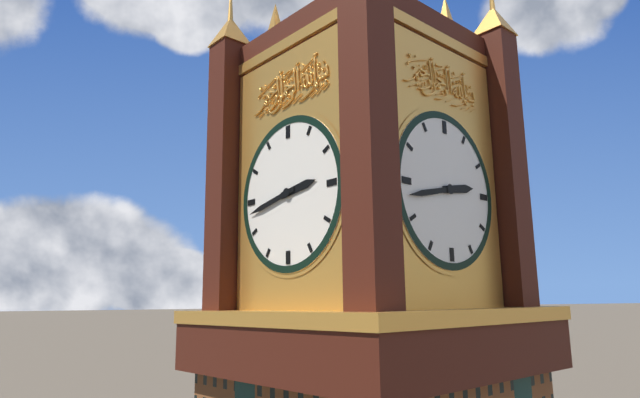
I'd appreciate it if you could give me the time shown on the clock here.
2:43
